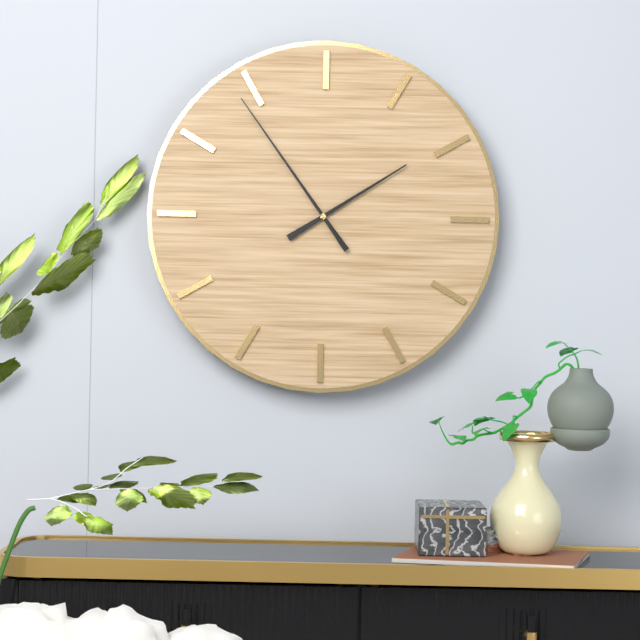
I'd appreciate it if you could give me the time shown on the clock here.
1:54
